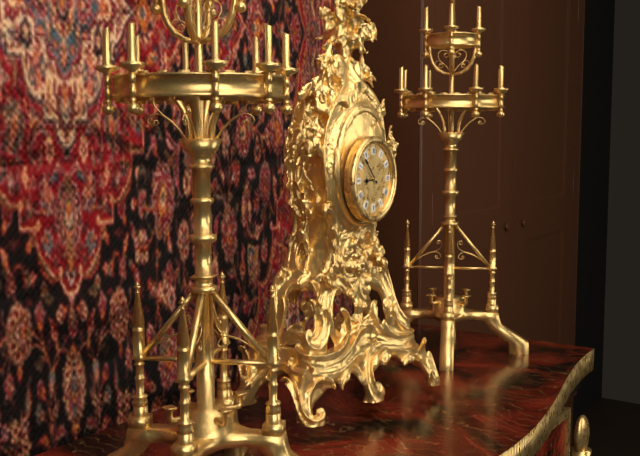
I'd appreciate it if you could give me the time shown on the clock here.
8:53
